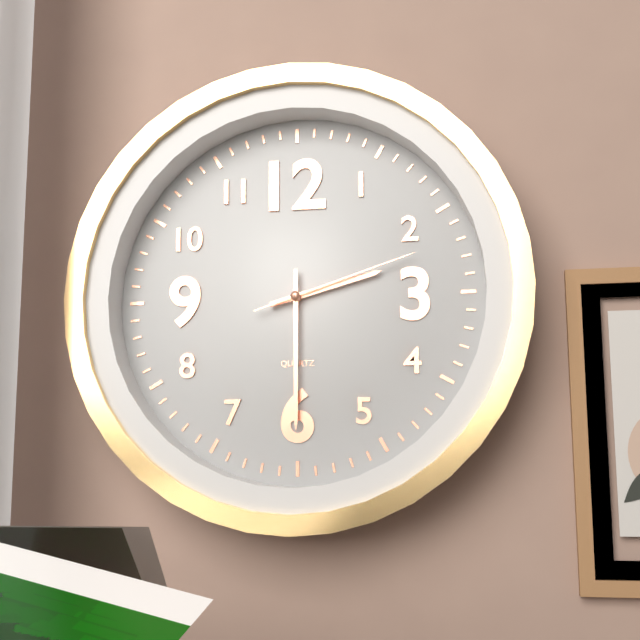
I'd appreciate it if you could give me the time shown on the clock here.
2:30:12
